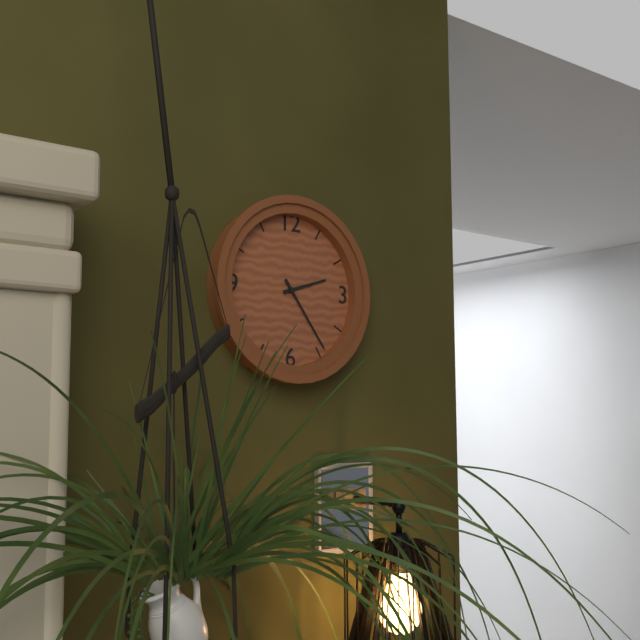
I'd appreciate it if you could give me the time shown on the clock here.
2:24
